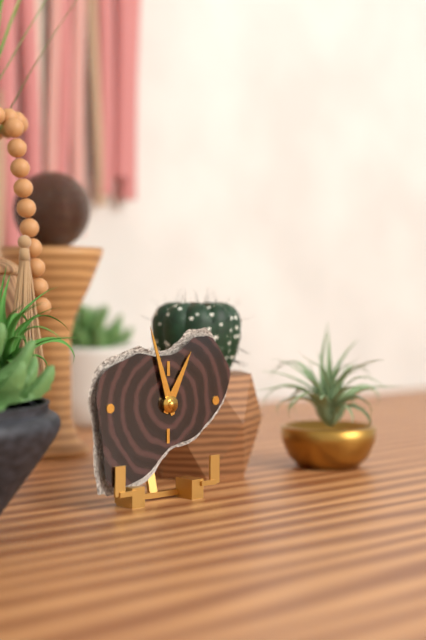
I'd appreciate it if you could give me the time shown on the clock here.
12:57
